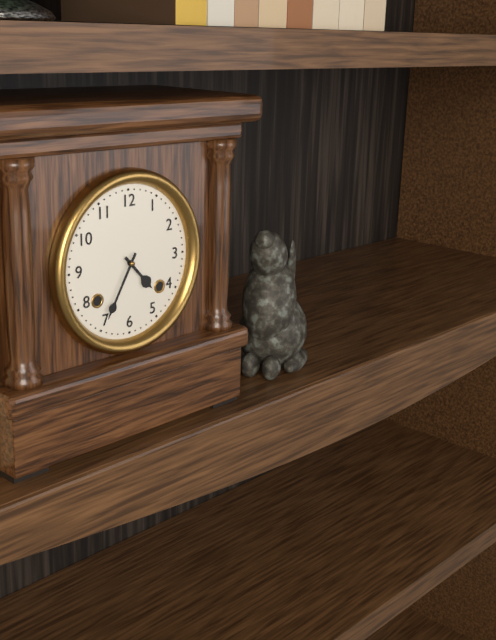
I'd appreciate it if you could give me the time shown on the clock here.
4:35
